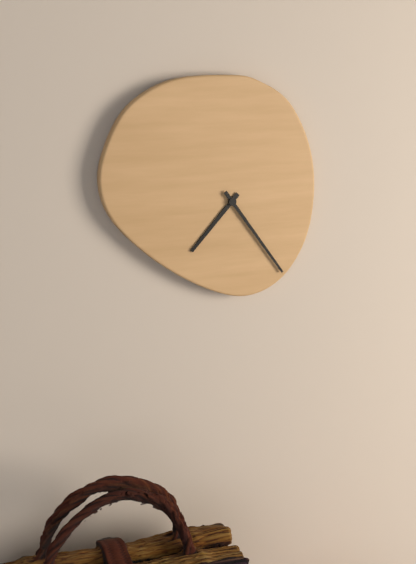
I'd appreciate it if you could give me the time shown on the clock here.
7:24
